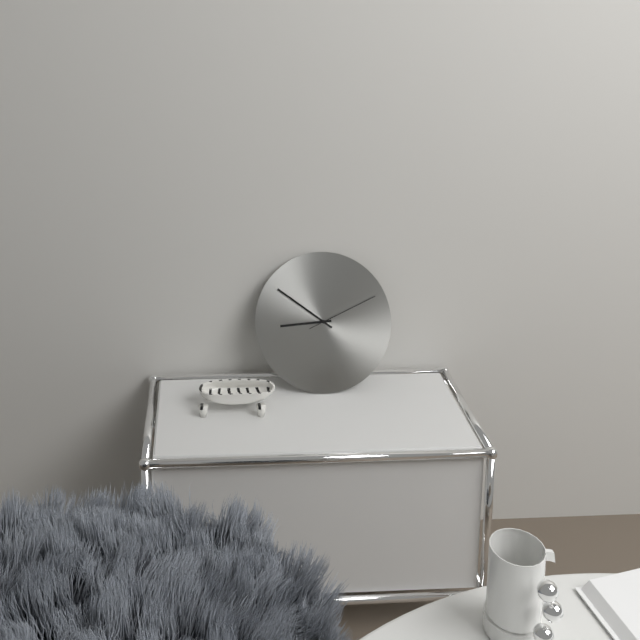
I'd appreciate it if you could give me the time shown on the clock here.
8:51:11
